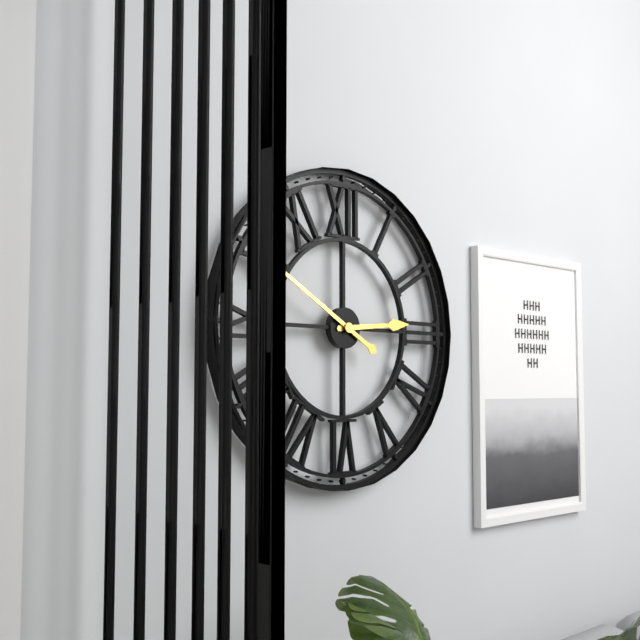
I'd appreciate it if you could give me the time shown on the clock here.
2:50
